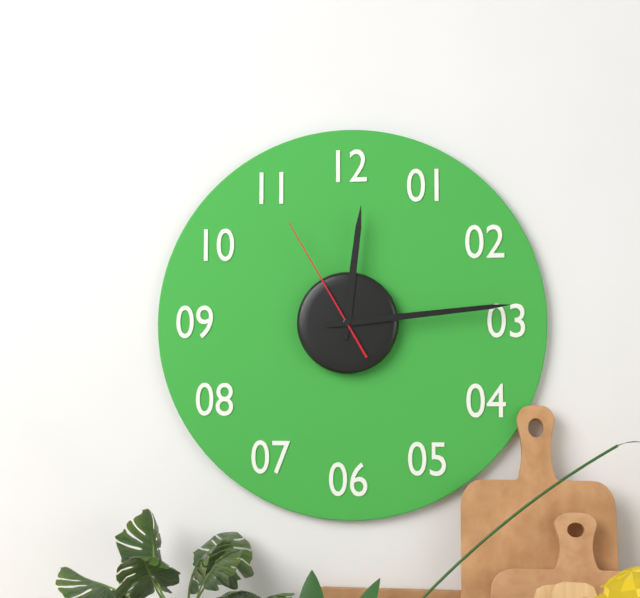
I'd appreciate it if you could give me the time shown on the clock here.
12:14:55
